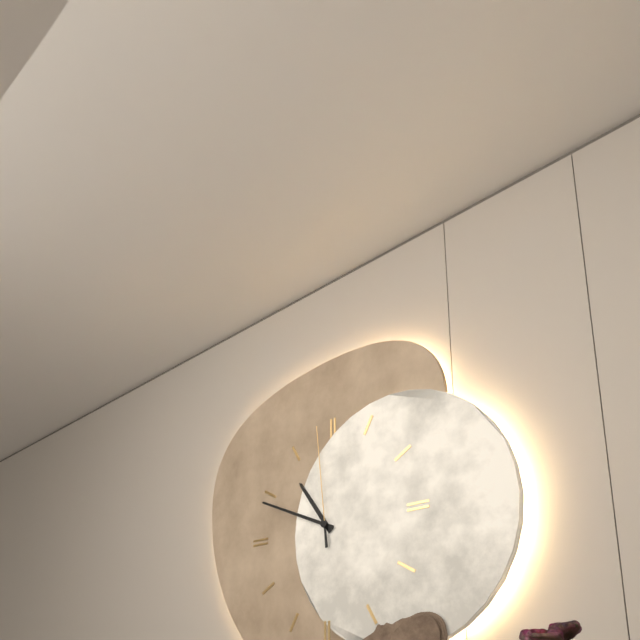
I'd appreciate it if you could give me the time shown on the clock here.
10:49:59
